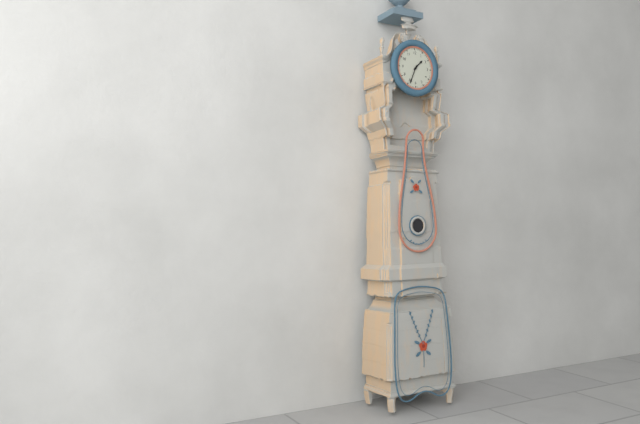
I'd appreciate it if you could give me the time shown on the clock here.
1:34
